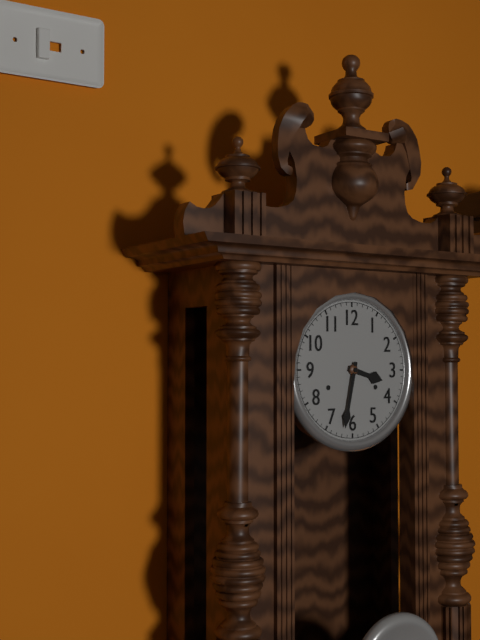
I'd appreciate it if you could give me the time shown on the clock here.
3:32
